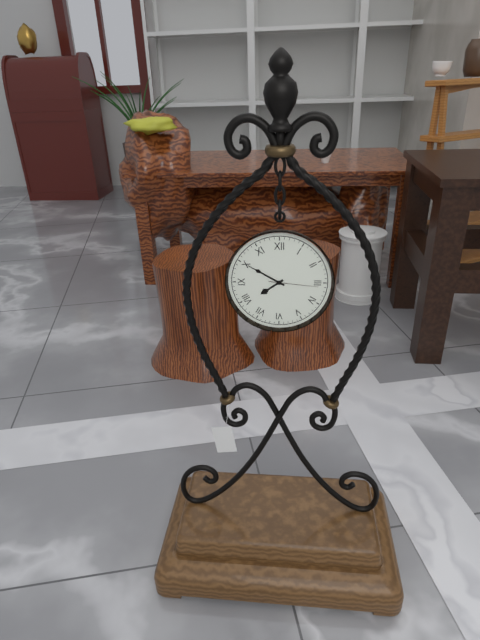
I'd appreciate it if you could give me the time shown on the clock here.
7:50
